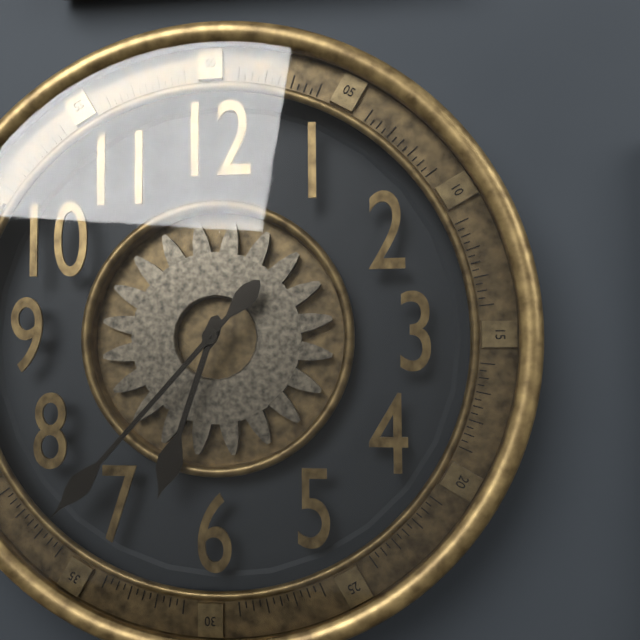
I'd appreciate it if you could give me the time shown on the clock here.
6:37
